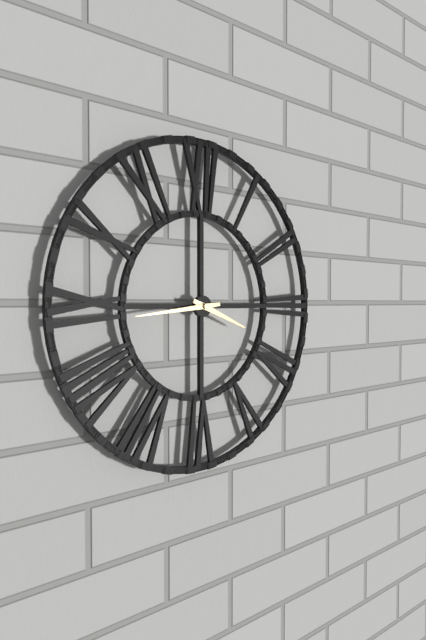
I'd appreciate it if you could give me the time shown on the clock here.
3:44
